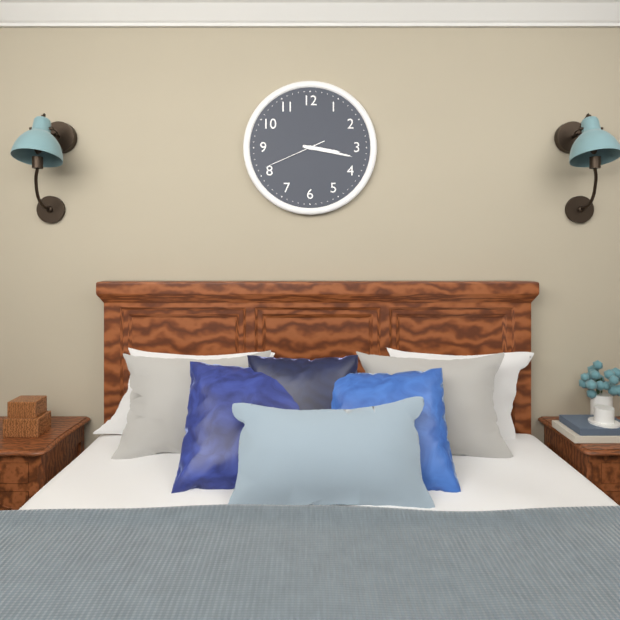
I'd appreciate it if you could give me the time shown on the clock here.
3:17:41
